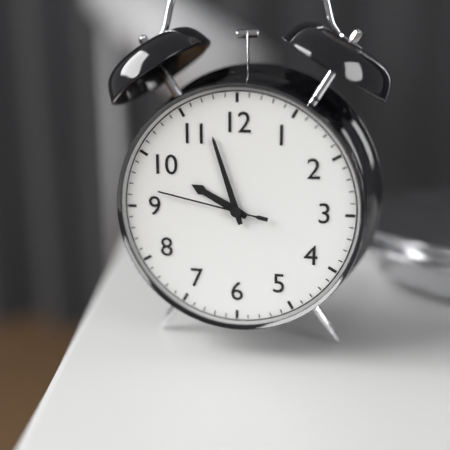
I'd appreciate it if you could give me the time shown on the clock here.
9:57:47
